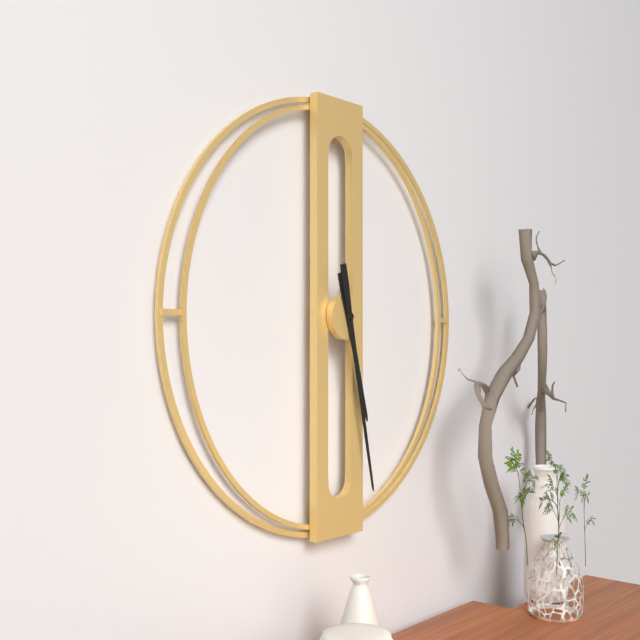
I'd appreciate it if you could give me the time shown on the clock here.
5:28
